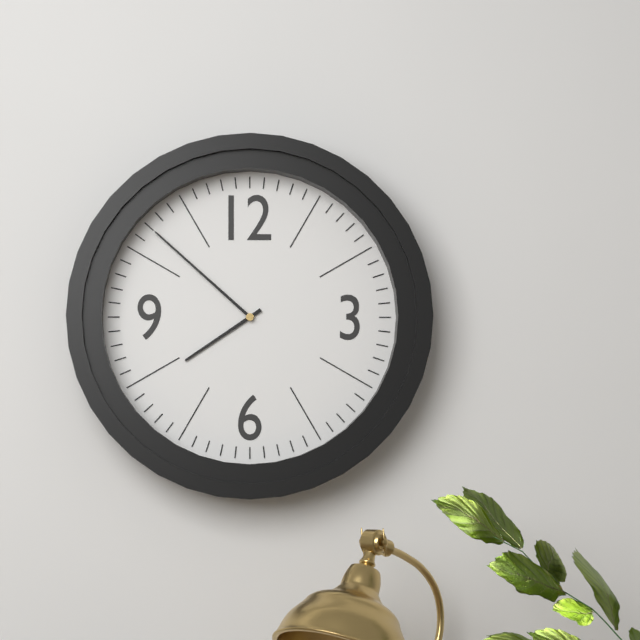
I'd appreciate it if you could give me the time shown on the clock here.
7:52
